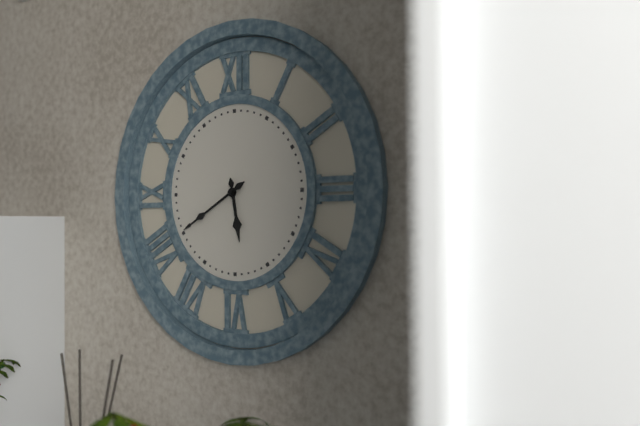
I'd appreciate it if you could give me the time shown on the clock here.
5:40
